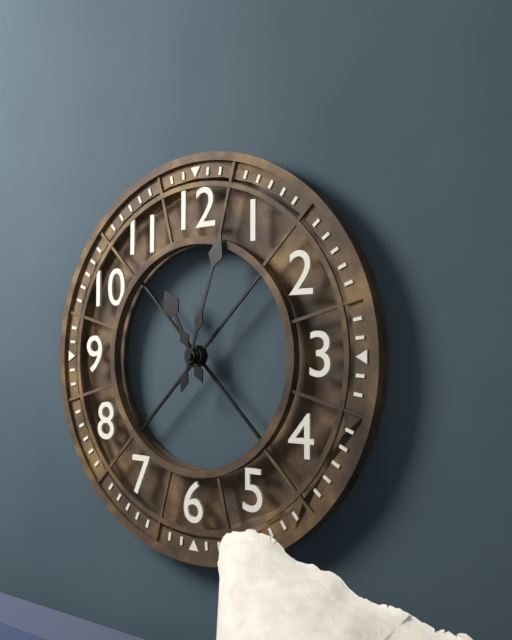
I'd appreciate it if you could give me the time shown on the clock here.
11:03
